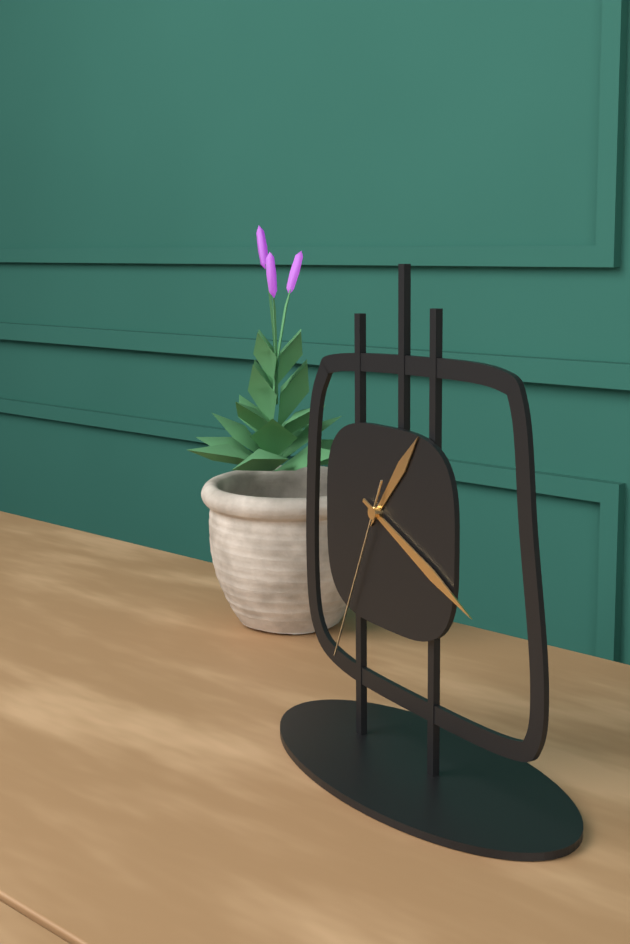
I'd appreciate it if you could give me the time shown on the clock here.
1:19:34
